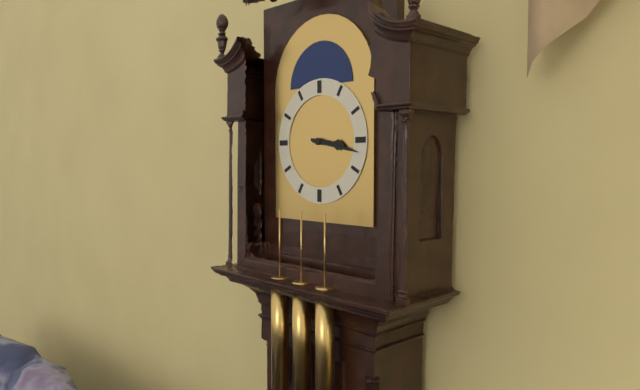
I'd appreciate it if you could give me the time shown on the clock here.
3:17
